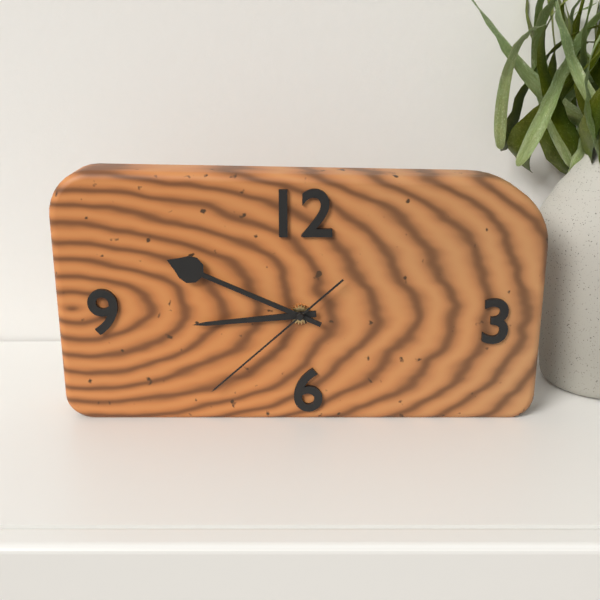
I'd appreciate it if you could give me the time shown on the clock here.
8:49:38
